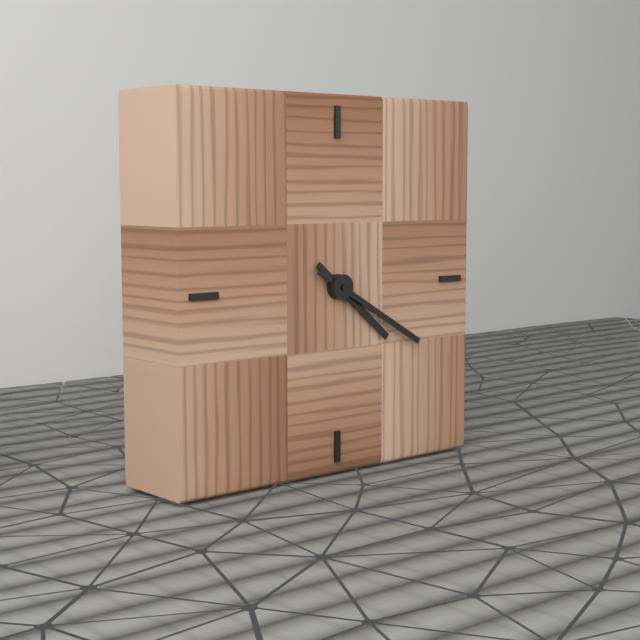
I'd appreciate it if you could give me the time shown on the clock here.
4:20
